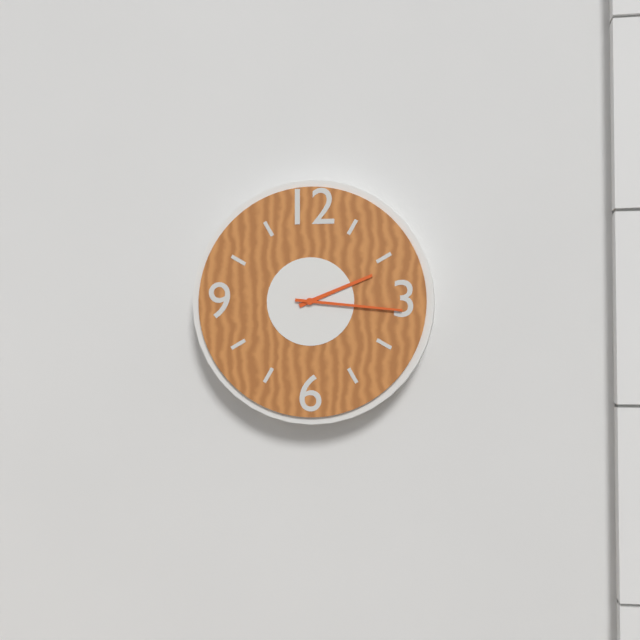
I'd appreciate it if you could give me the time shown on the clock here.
2:16
